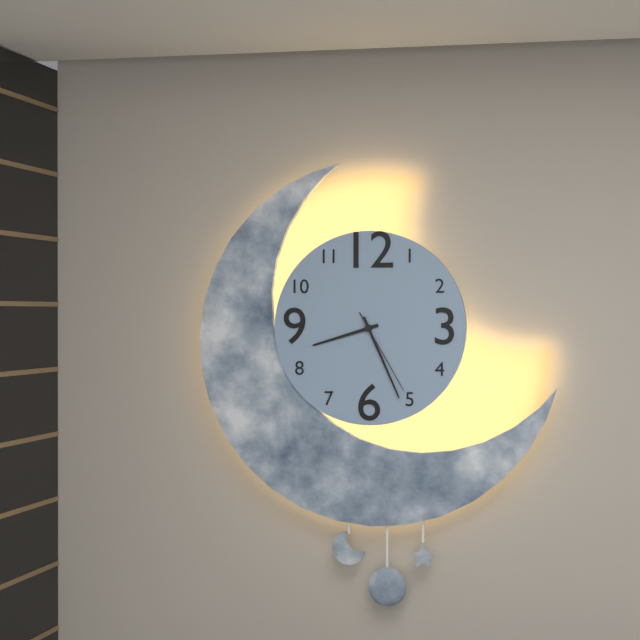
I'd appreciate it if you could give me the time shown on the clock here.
8:26:25
